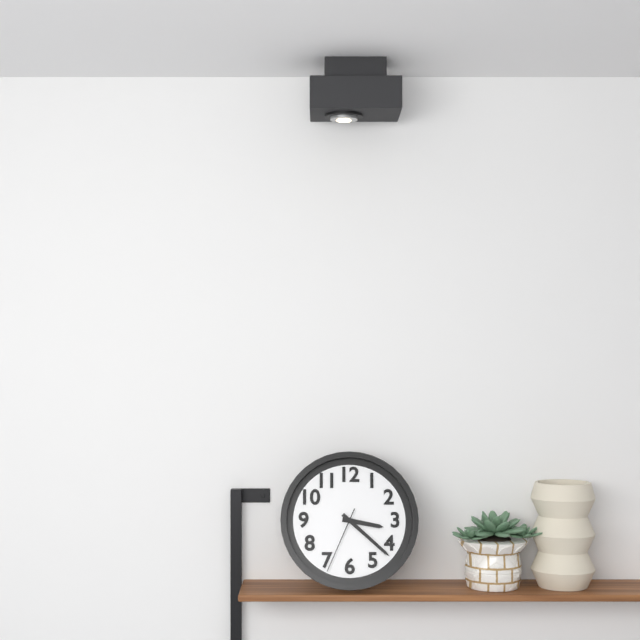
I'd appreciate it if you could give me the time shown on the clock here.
3:22:34
